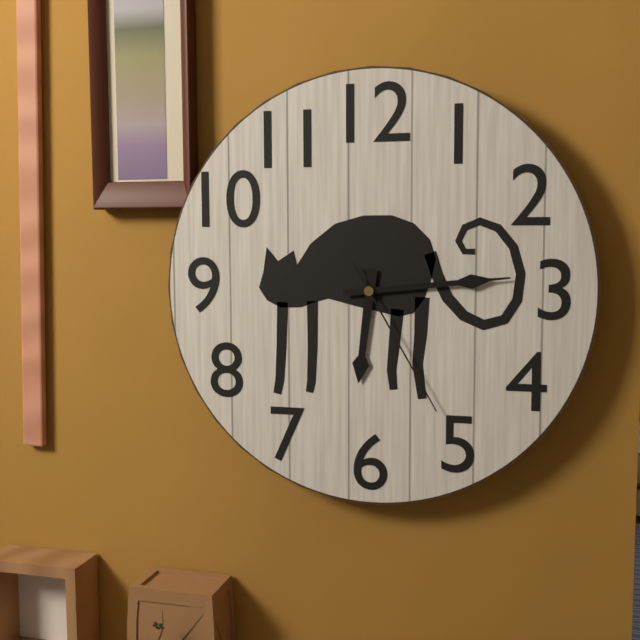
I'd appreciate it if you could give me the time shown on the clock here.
6:14:25
